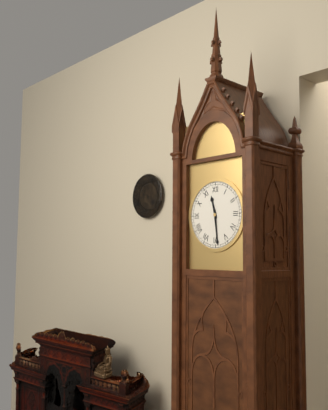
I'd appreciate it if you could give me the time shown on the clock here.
11:29
